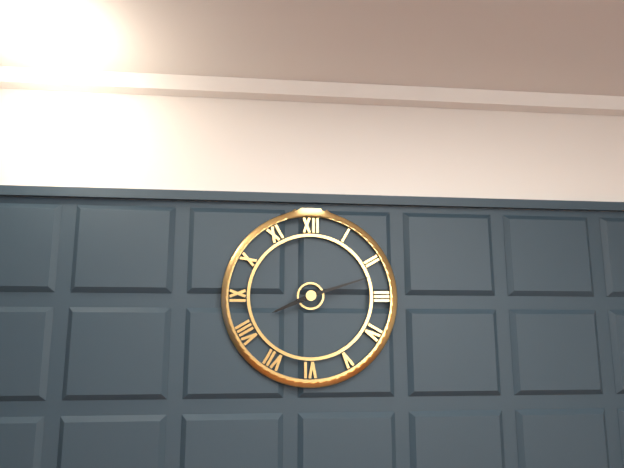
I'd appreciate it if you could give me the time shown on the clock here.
8:12
